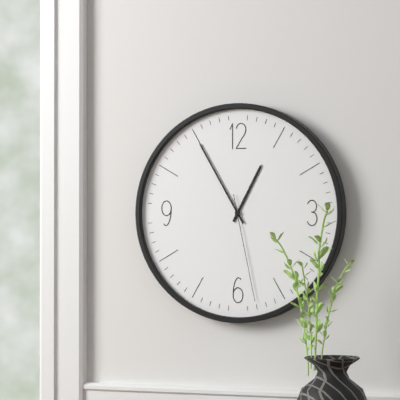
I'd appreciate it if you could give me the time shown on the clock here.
12:55:28
